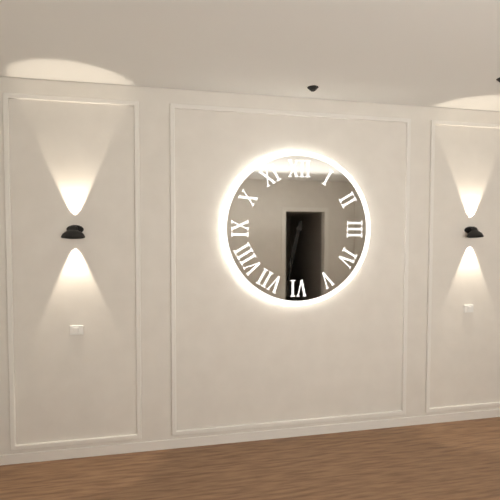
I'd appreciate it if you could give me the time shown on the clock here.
6:32
